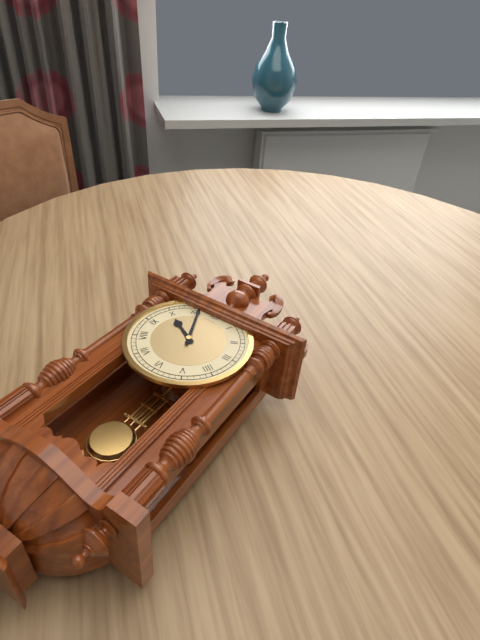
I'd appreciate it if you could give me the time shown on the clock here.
9:56
